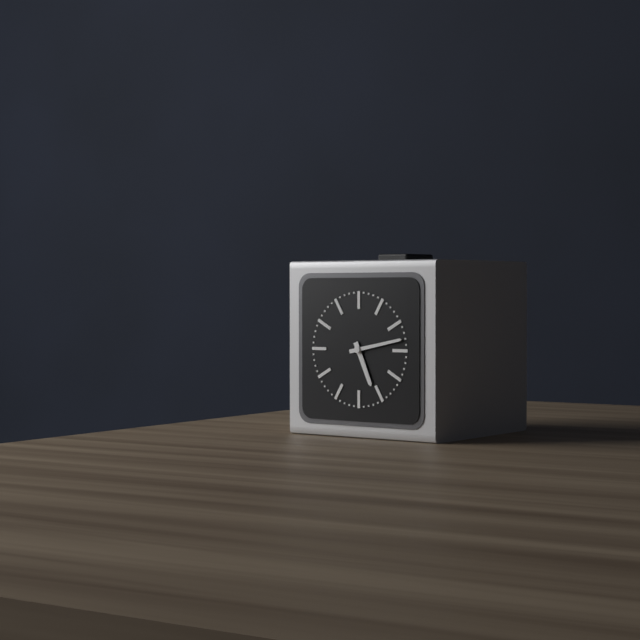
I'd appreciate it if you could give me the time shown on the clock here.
5:13
